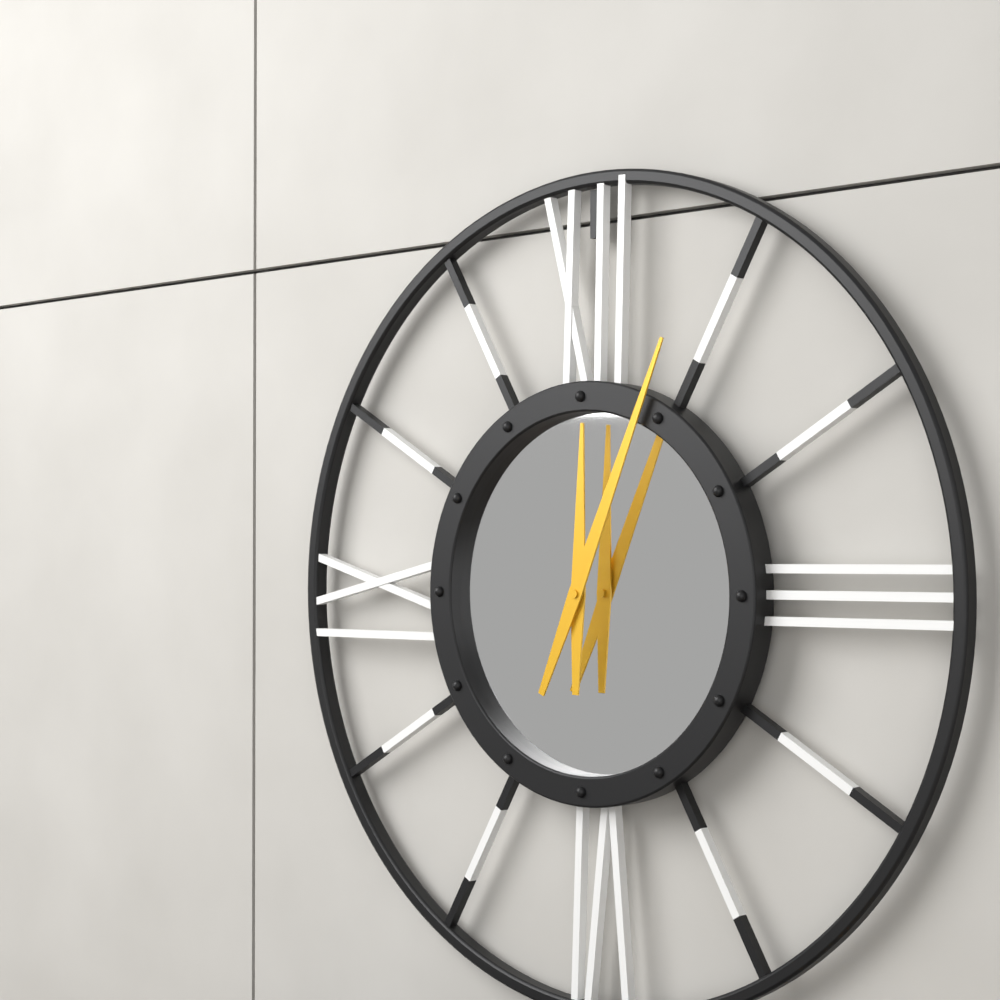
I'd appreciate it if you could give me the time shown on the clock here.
12:04
